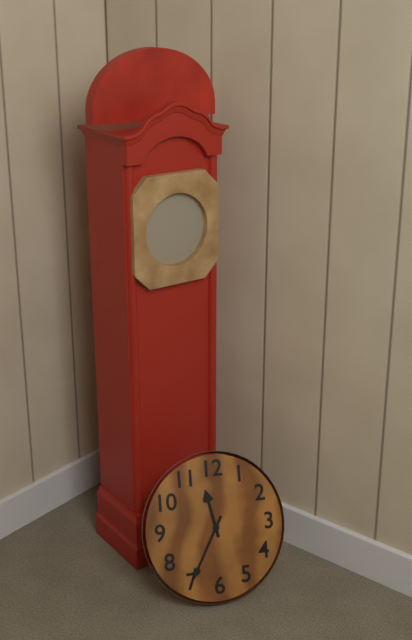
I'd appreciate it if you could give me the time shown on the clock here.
11:35
